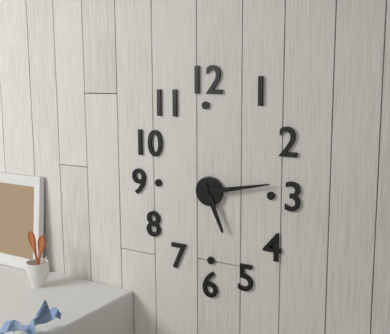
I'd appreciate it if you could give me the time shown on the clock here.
5:13
